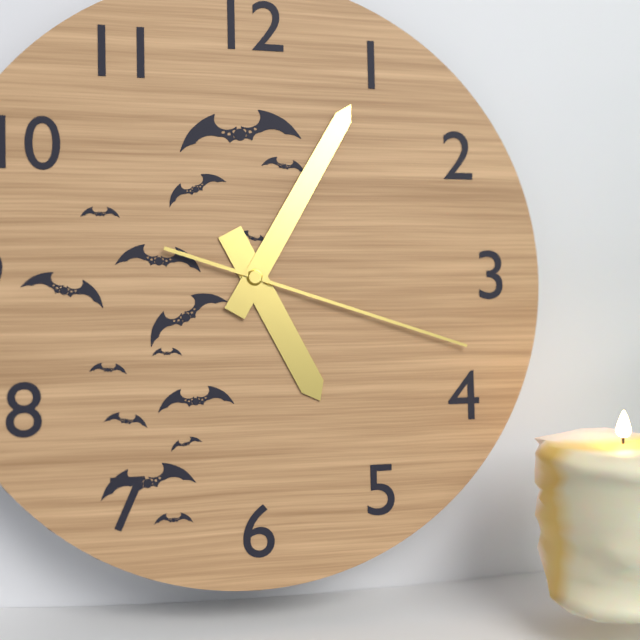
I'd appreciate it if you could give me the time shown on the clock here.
5:05:18
